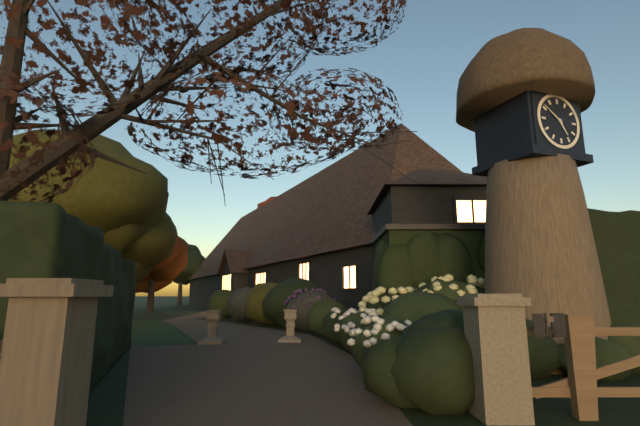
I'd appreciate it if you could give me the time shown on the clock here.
4:51
